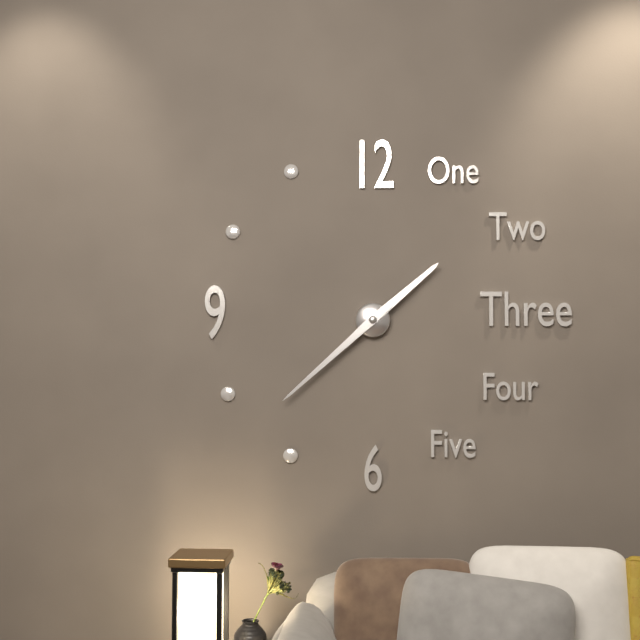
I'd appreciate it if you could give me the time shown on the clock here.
1:38
